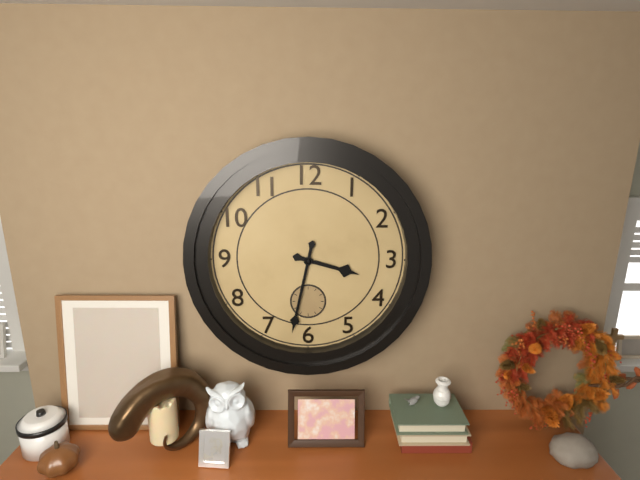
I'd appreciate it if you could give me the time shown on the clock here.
3:32
